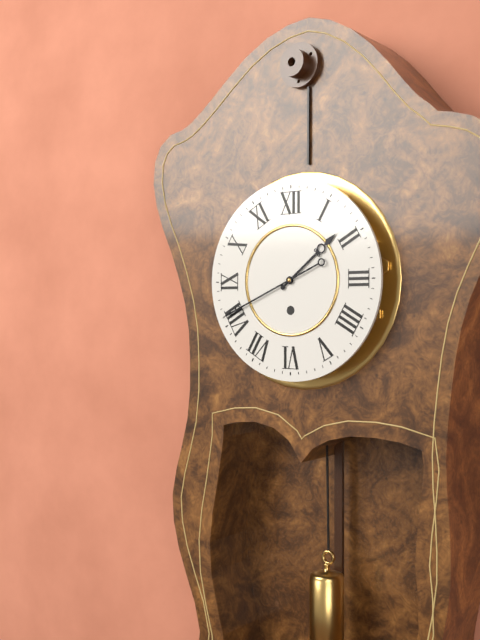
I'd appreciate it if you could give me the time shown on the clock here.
1:41
